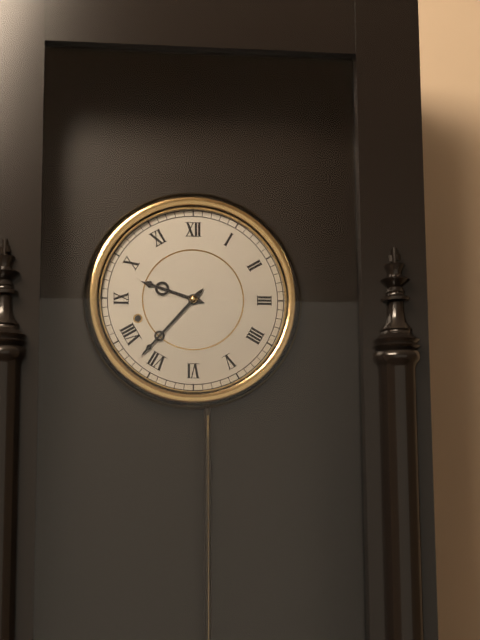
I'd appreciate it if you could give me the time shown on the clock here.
9:37
